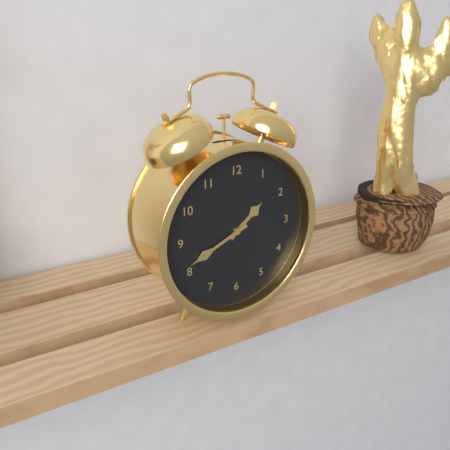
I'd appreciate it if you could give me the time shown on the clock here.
1:41
